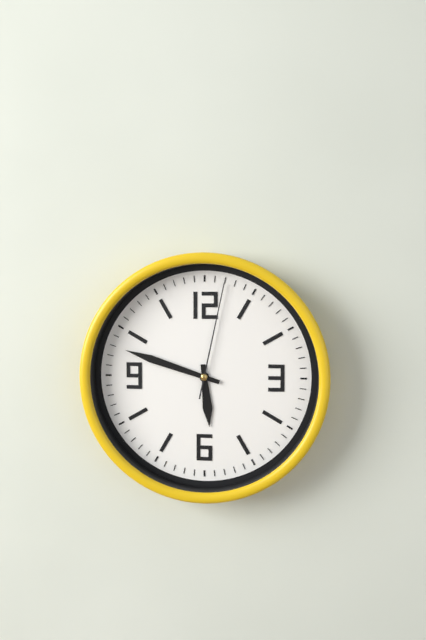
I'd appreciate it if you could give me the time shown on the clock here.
5:48:02
